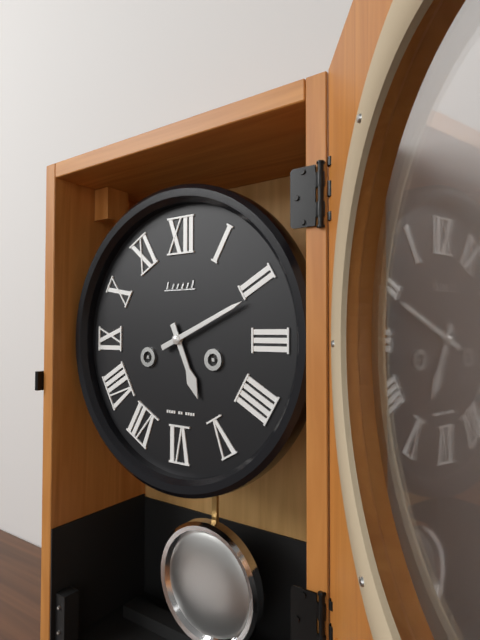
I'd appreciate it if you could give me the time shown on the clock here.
5:11
